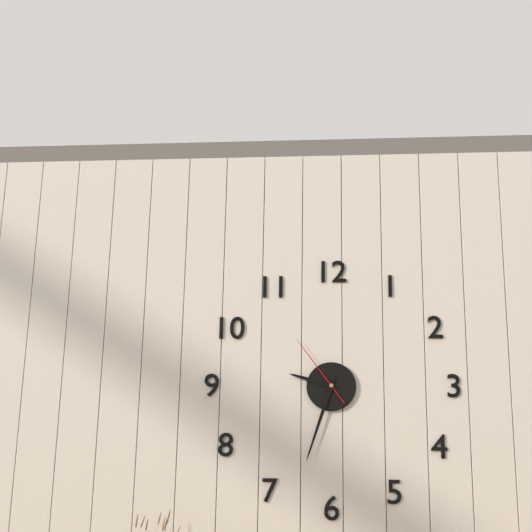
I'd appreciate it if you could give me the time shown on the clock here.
9:33:54
